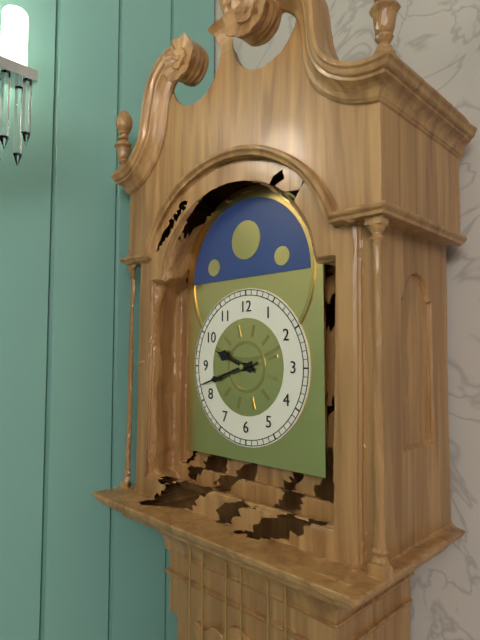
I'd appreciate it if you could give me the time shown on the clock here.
9:42
